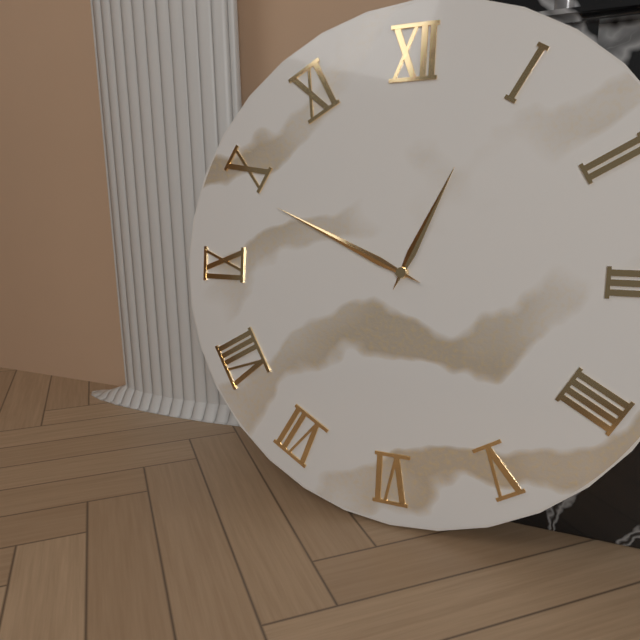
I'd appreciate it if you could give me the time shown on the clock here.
12:49
